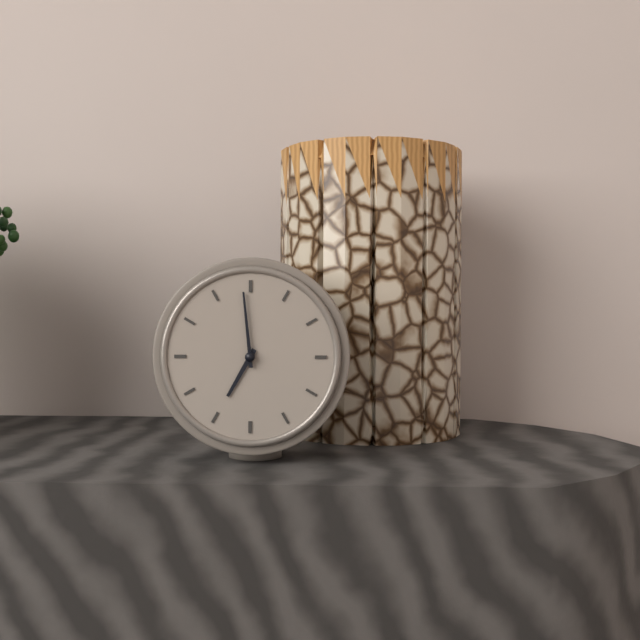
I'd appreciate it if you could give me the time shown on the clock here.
6:59
